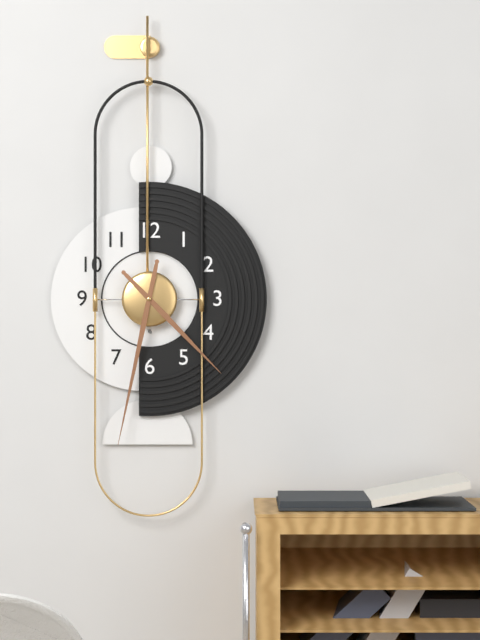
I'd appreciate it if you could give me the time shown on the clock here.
4:32
